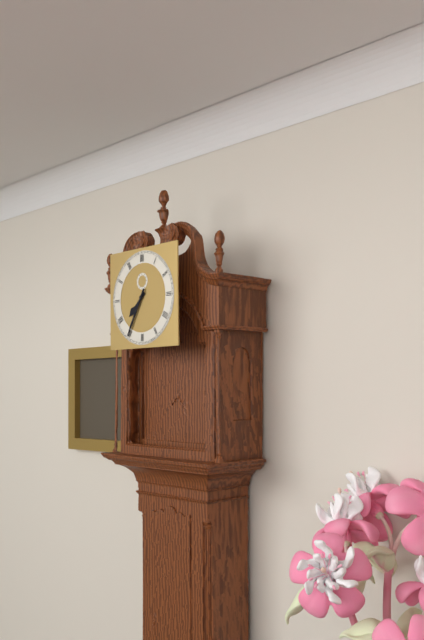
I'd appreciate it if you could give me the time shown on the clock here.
7:35
